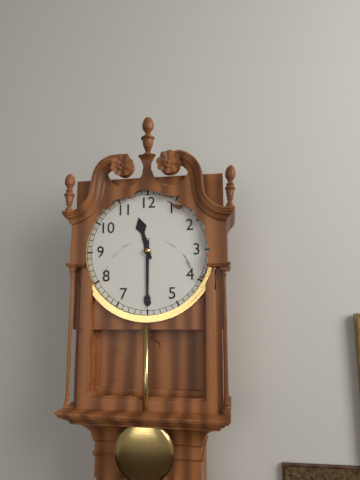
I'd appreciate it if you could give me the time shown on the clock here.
11:30
